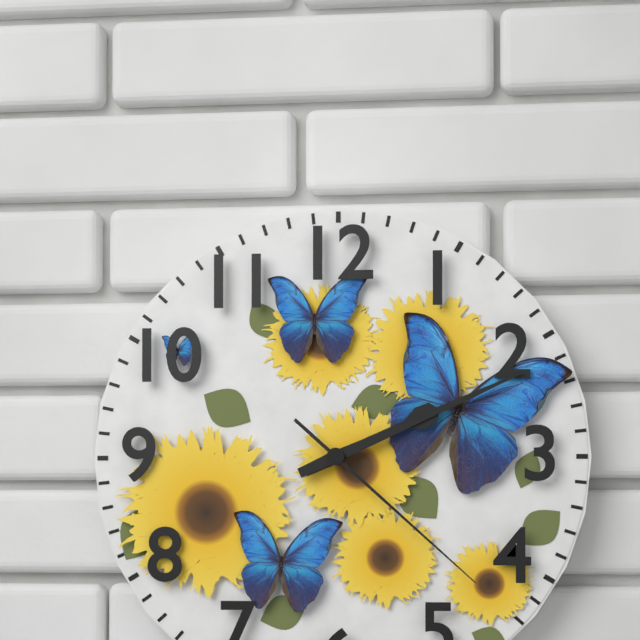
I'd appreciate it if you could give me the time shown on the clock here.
2:11:22
